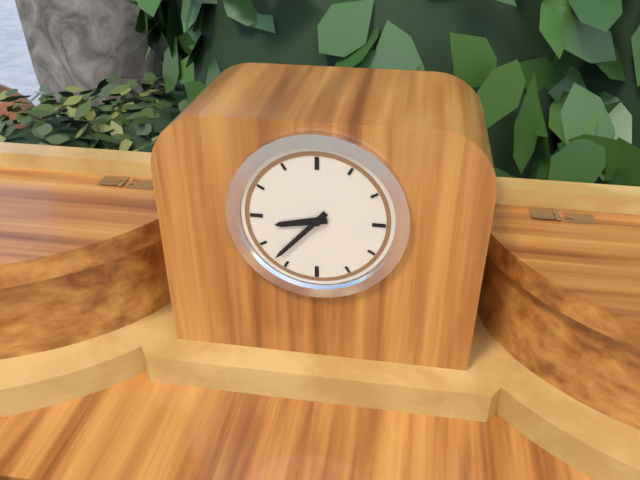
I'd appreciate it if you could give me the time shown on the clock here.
8:37
